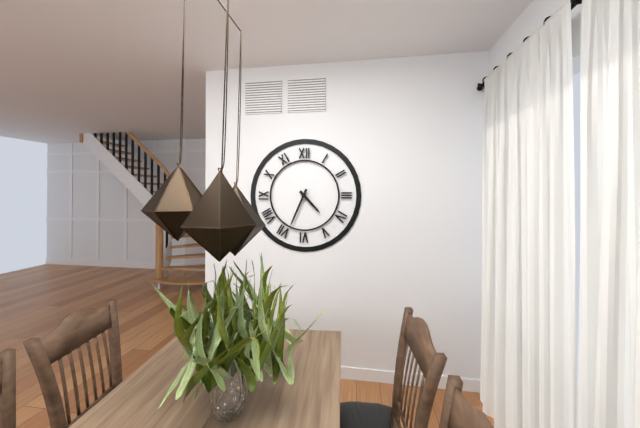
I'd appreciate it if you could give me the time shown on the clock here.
4:34
